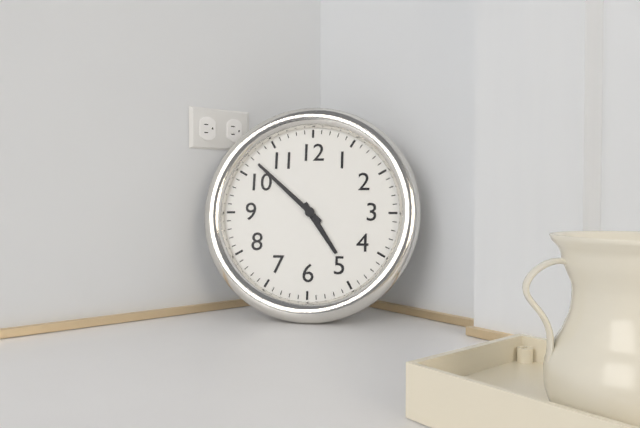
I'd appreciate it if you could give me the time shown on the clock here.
4:52
